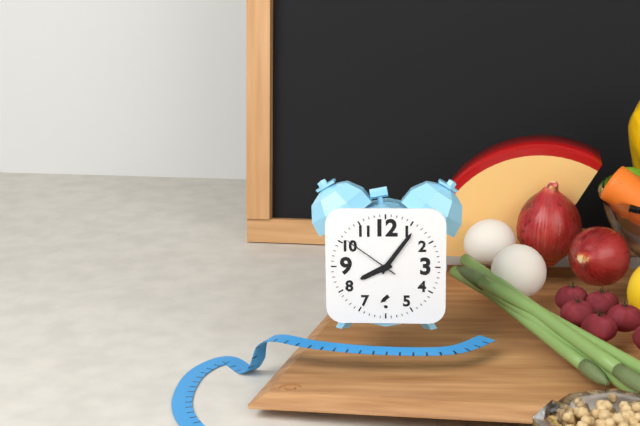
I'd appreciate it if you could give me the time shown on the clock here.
8:06:51
